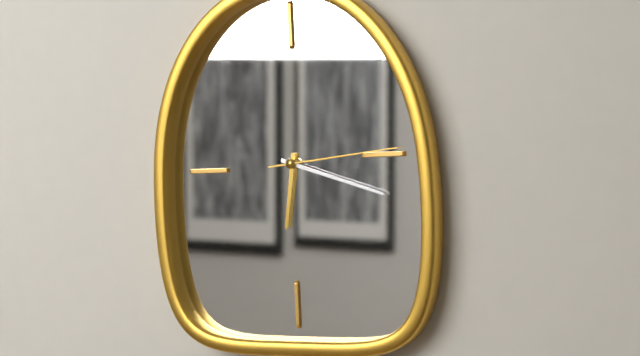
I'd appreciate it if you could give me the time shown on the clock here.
6:18:14
